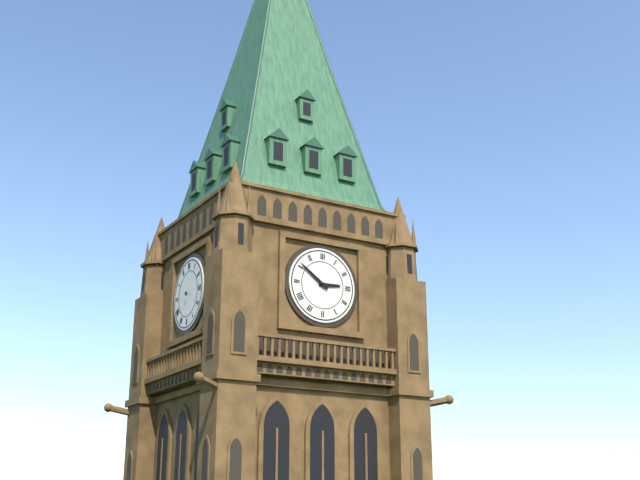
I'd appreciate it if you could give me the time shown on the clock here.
2:51
